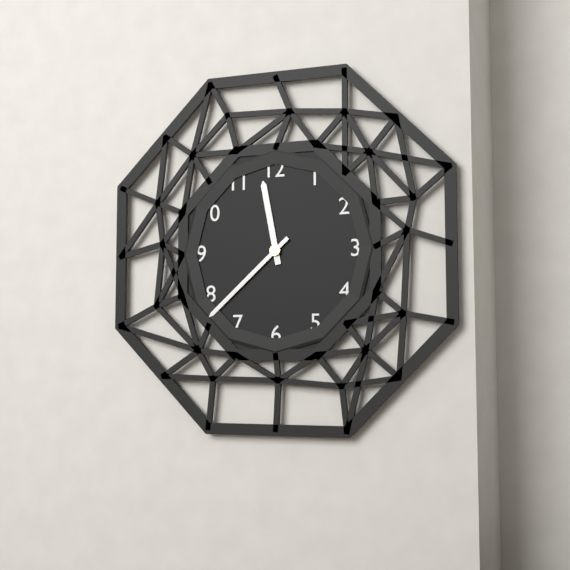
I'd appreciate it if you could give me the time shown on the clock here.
11:38
